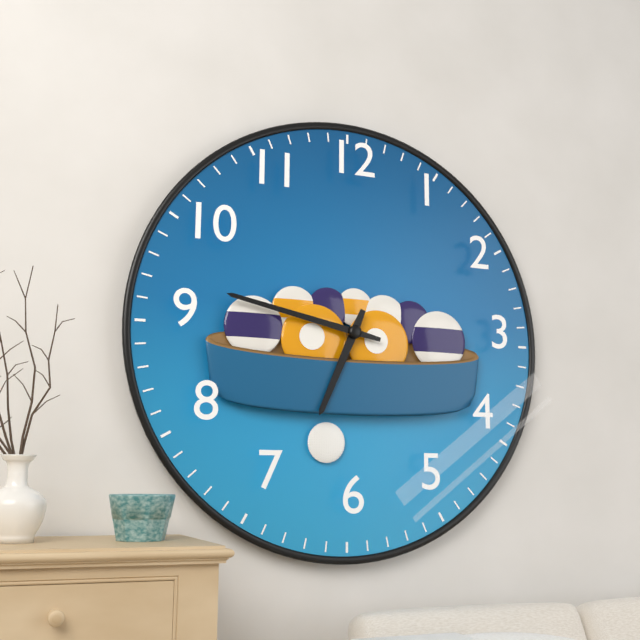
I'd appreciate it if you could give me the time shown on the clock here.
6:47
